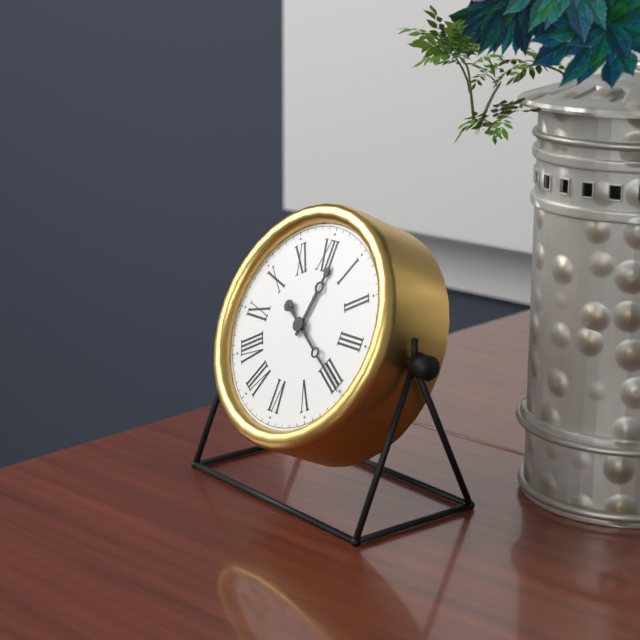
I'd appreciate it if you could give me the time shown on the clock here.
12:20
